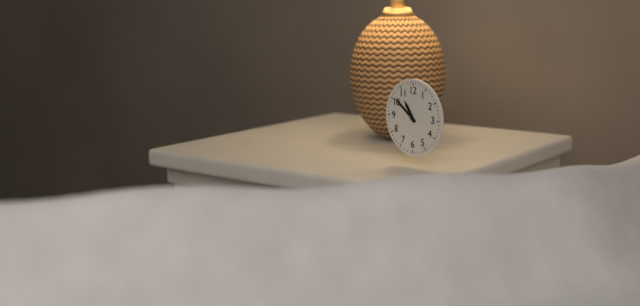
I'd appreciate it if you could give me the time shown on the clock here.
10:51
